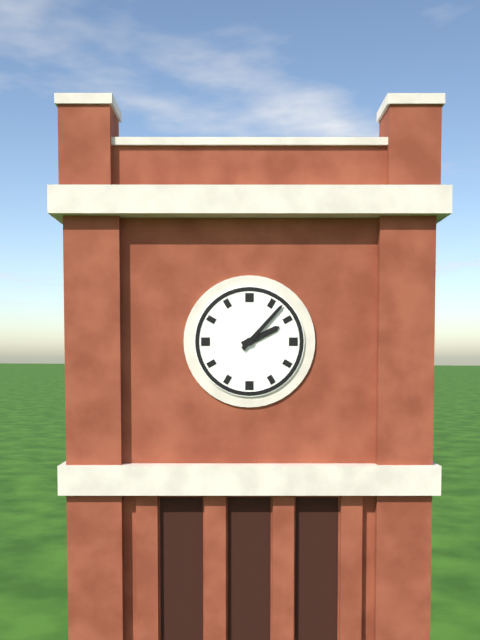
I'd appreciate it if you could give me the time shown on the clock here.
2:07
